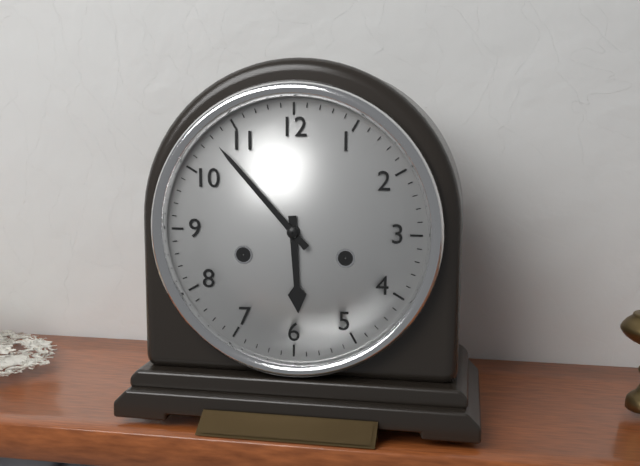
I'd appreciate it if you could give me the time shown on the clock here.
5:53
